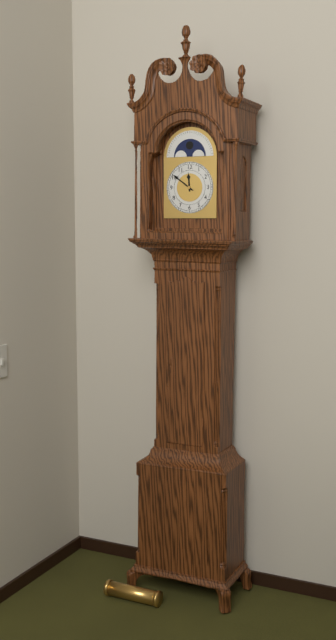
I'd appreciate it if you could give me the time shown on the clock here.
11:51
